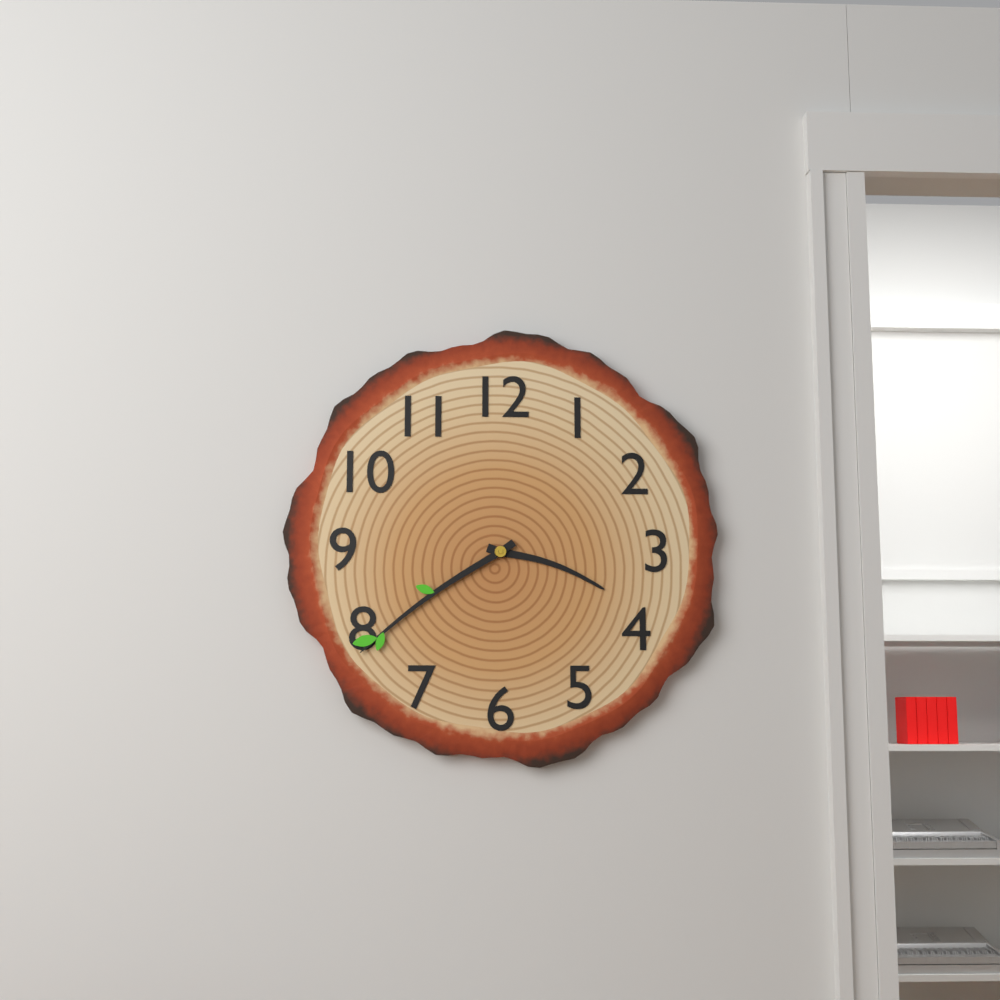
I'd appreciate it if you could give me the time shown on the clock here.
3:39
